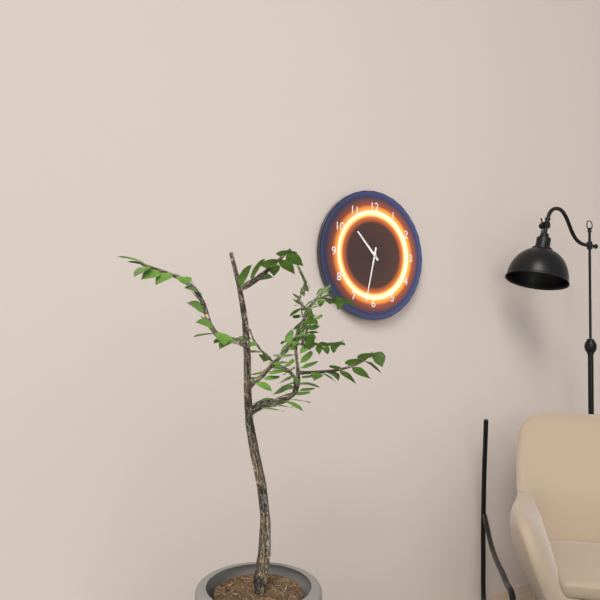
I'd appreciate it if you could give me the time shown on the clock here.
10:32
